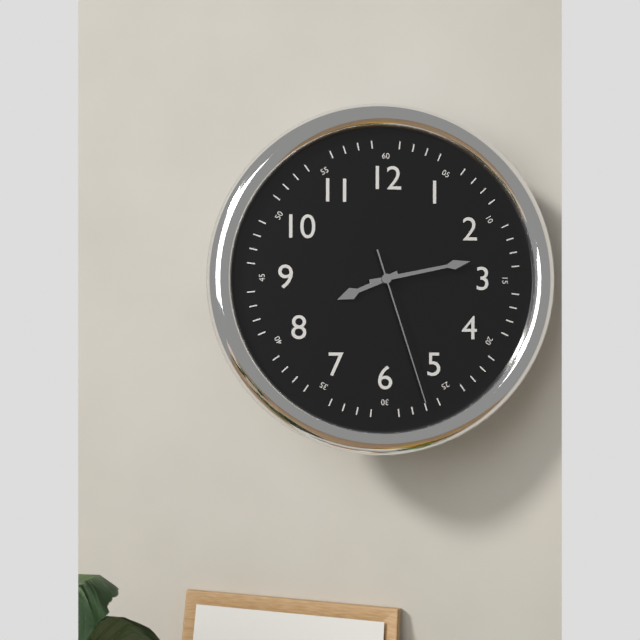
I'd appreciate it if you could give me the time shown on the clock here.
8:13:27
